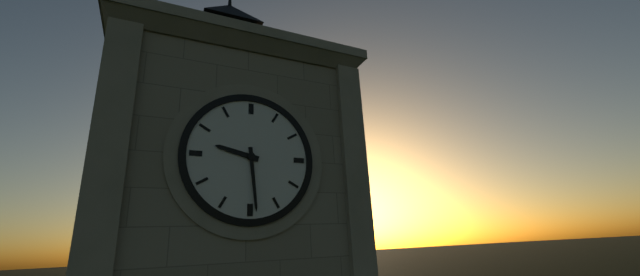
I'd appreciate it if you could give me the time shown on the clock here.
9:29
